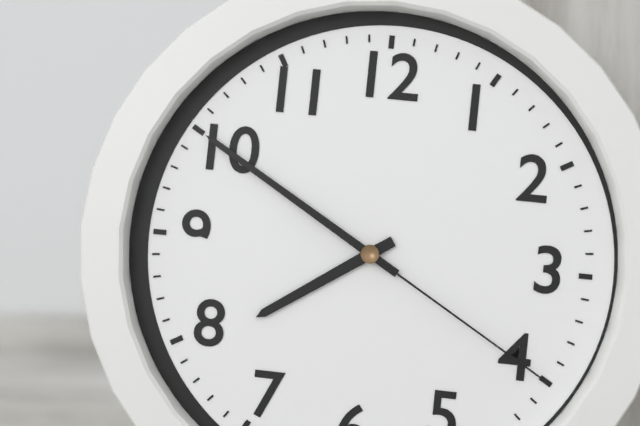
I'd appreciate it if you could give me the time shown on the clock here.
7:50:20
